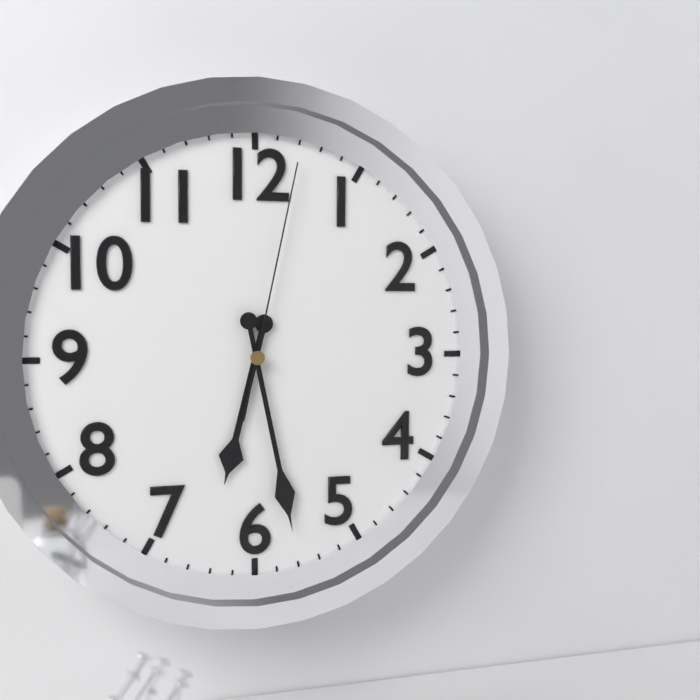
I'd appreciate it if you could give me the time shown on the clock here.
6:28:02
